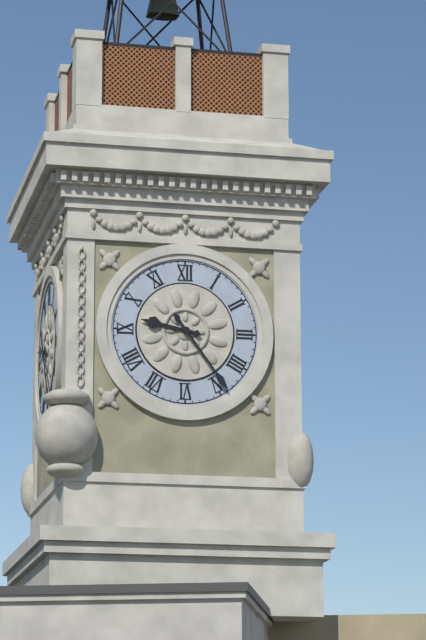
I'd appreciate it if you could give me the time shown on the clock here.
9:24
